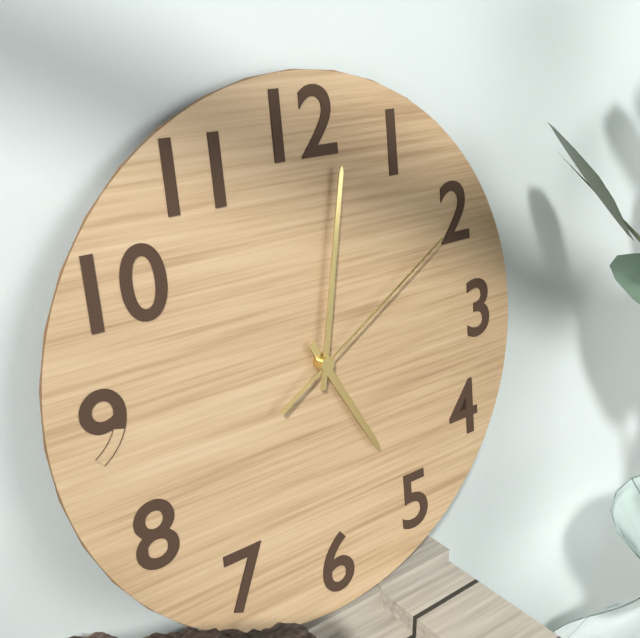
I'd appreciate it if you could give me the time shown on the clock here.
5:02:10
